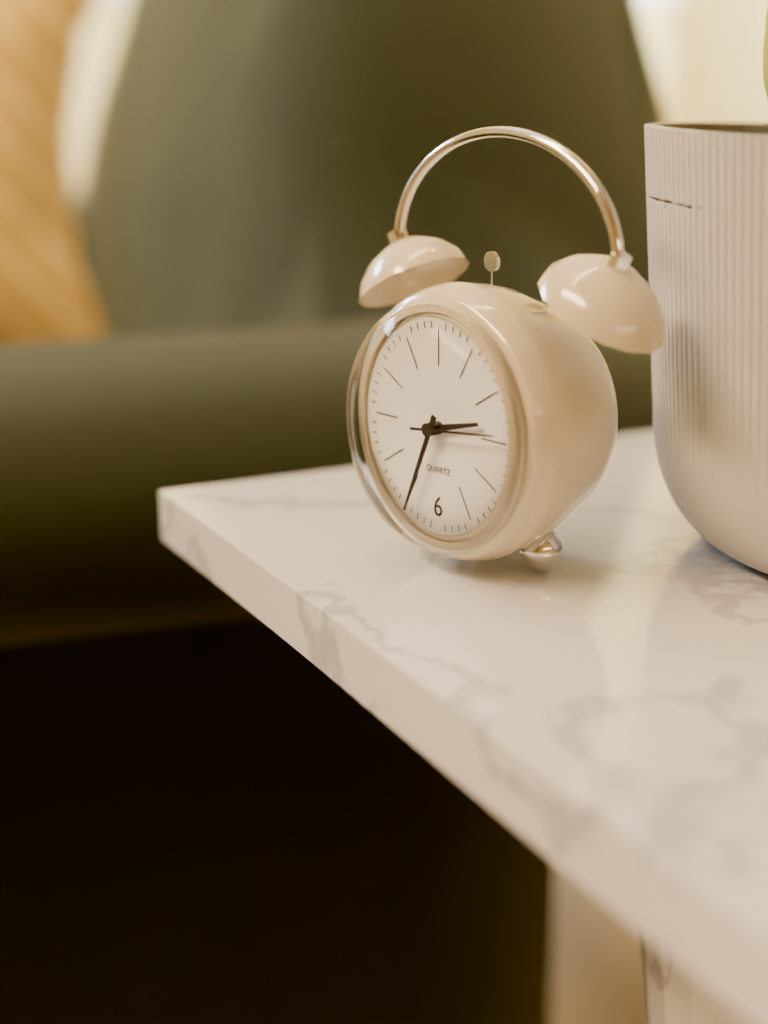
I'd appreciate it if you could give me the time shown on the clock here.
2:34:14
